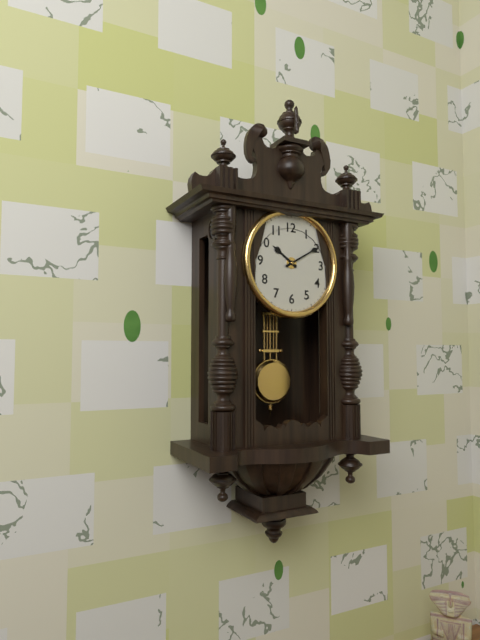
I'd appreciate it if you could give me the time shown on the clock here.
10:10
